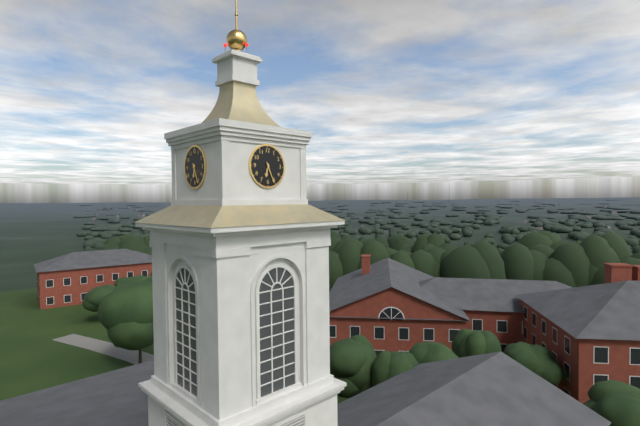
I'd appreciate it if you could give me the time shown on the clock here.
6:26
